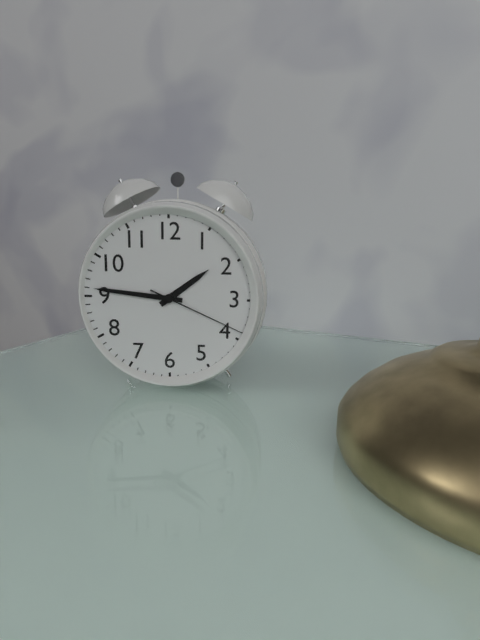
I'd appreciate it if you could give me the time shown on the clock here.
1:46:19
